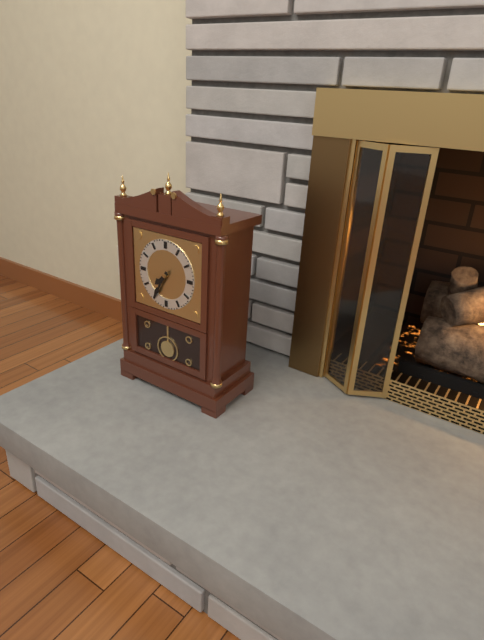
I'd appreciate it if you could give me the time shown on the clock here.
7:35
